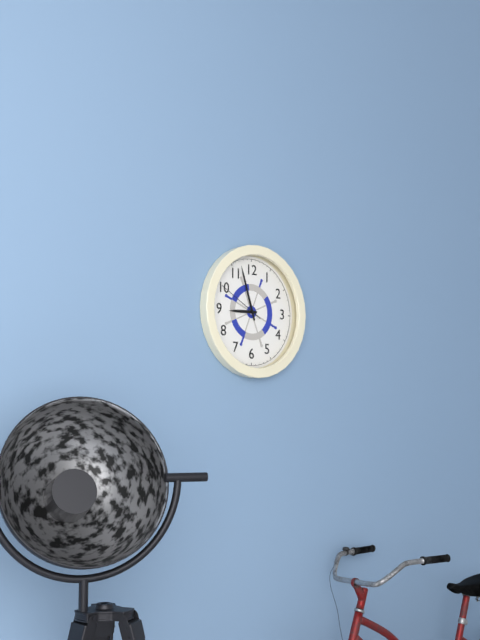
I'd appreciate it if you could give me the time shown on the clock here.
8:57
